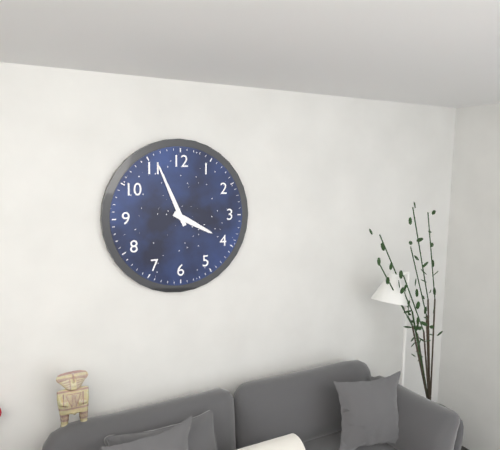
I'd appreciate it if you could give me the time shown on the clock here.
3:56
